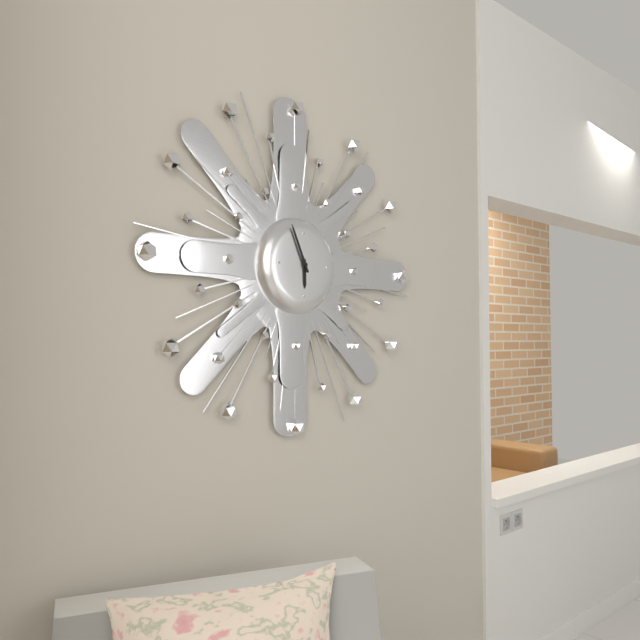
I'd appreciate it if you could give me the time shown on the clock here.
5:56
